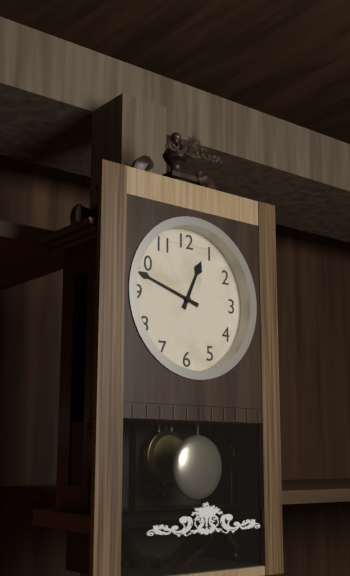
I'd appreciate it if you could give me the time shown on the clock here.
12:48
